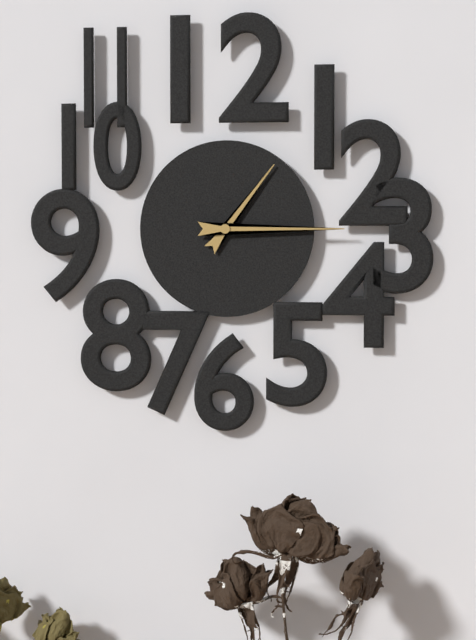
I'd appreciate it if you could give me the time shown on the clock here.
1:15
